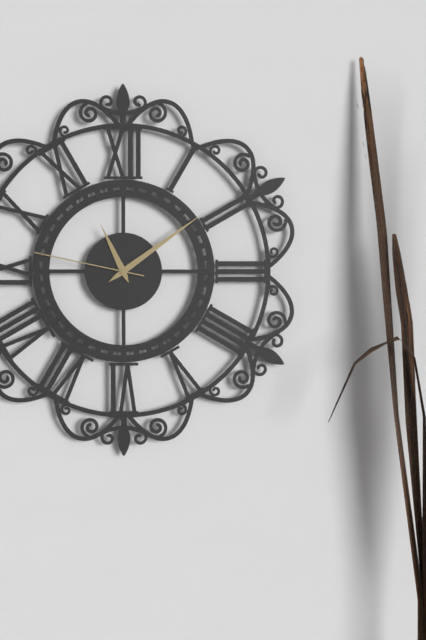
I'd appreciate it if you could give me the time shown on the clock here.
11:09:47
